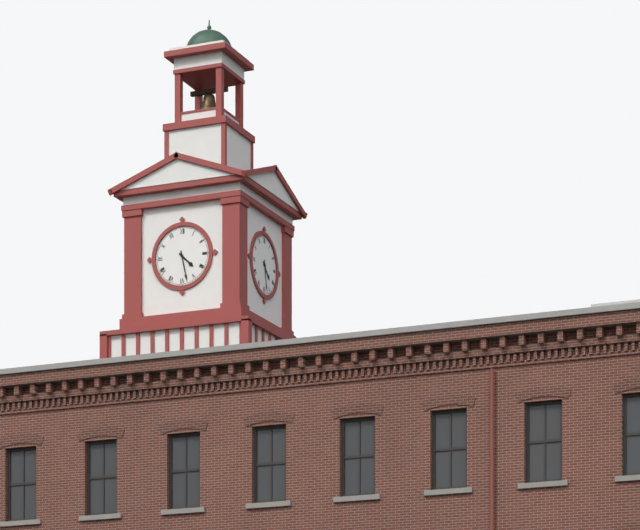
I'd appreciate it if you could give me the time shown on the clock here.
4:28
